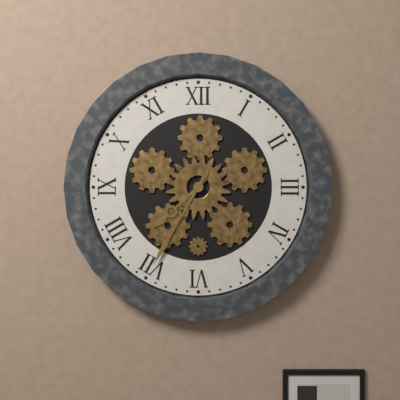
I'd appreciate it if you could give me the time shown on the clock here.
7:35
